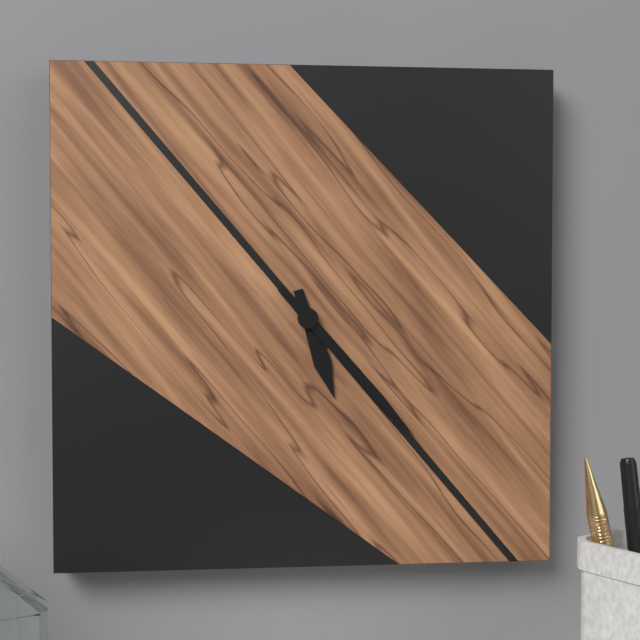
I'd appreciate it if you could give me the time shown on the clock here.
5:23
